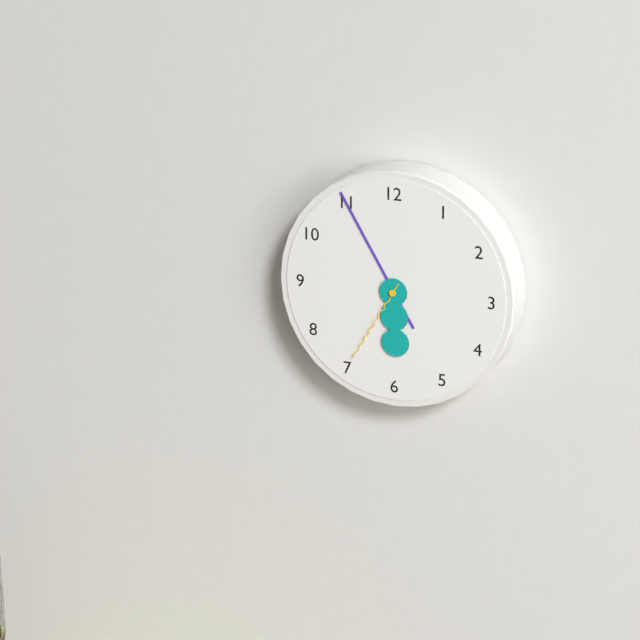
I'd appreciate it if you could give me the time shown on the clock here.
5:55:35
